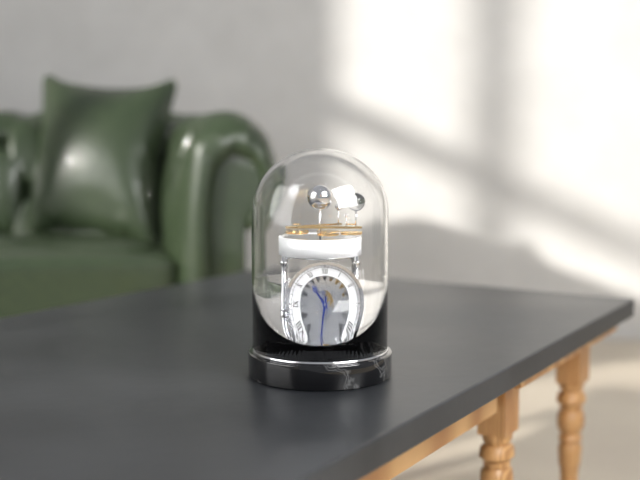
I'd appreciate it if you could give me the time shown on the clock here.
10:32
